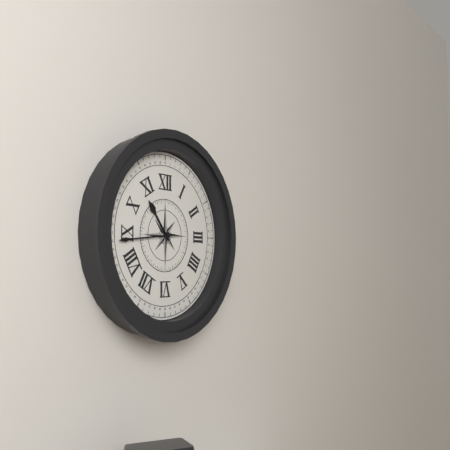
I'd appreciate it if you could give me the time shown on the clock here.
10:44
